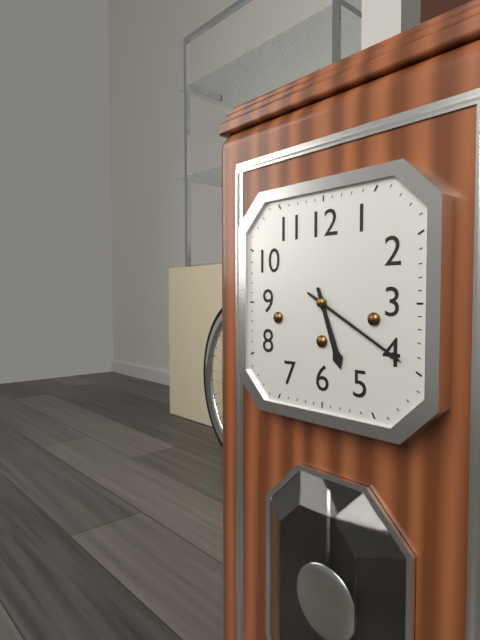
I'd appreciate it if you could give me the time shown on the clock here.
5:20
